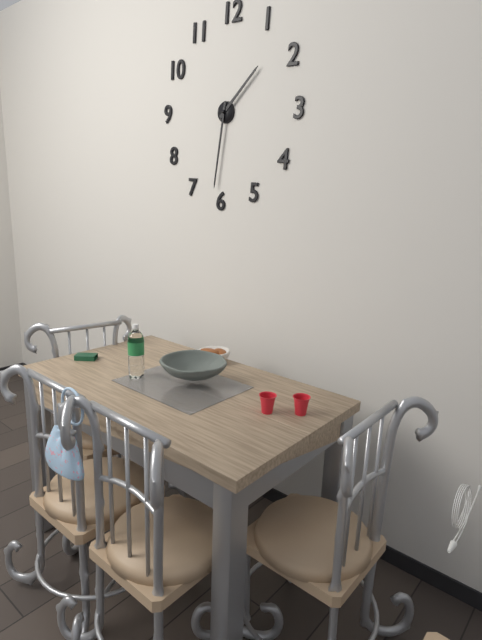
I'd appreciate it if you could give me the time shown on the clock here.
1:31
